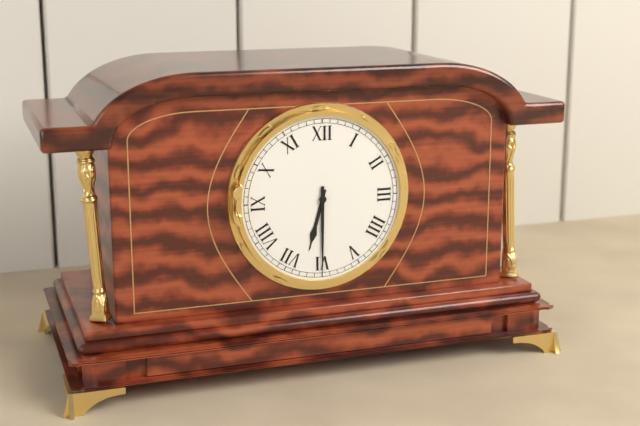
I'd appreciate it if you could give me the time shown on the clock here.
6:30
